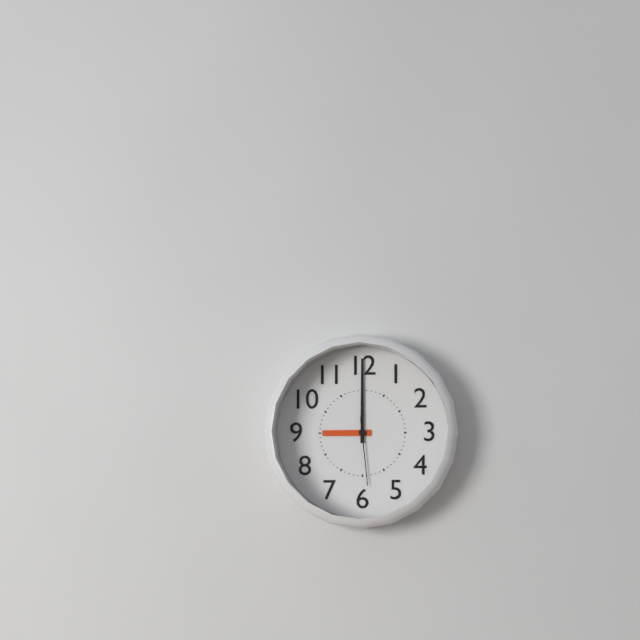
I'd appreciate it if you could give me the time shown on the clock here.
9:00:29
